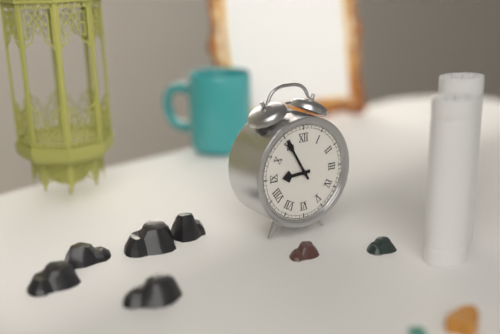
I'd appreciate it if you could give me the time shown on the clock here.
8:55
